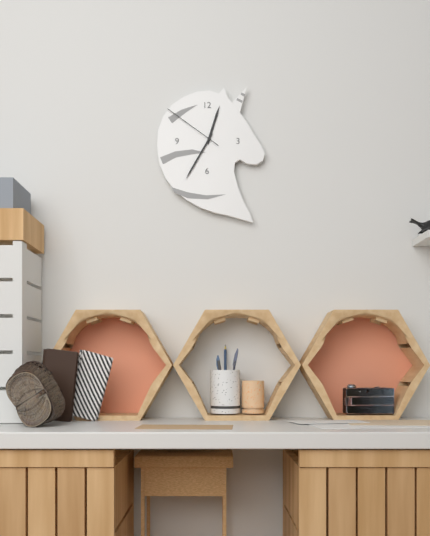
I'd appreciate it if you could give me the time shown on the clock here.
12:35:51
